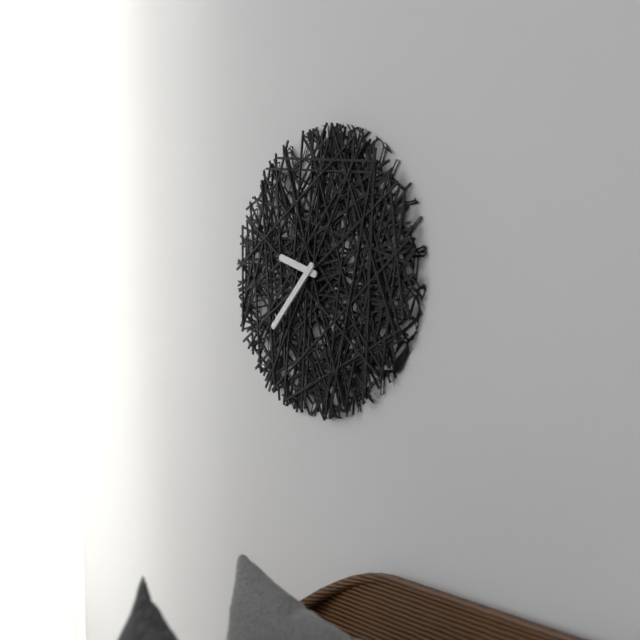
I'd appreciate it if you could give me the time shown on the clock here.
9:38
